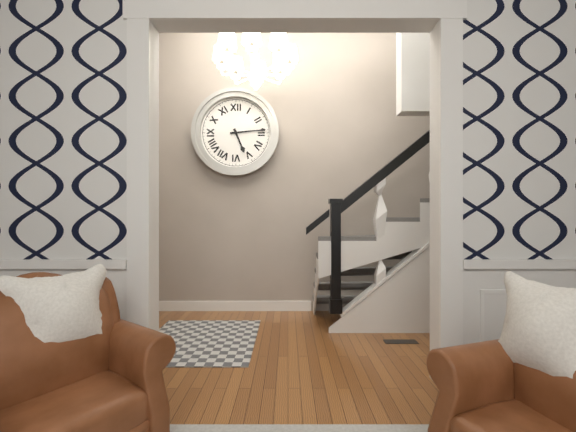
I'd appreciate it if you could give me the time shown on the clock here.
5:14
